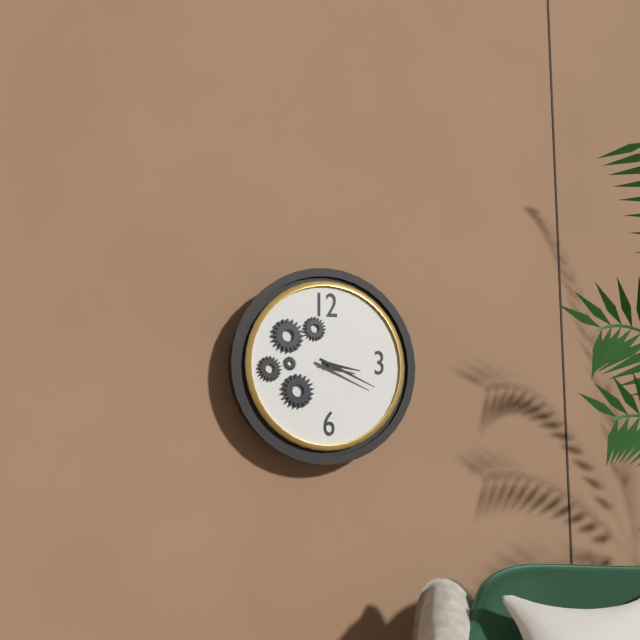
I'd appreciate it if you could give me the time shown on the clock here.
3:19
